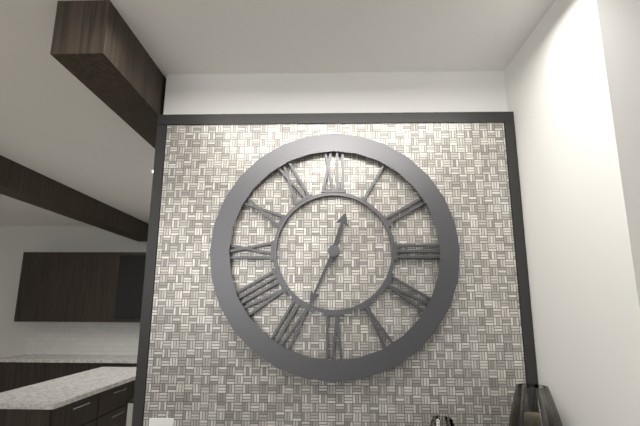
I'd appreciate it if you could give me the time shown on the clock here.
12:34
